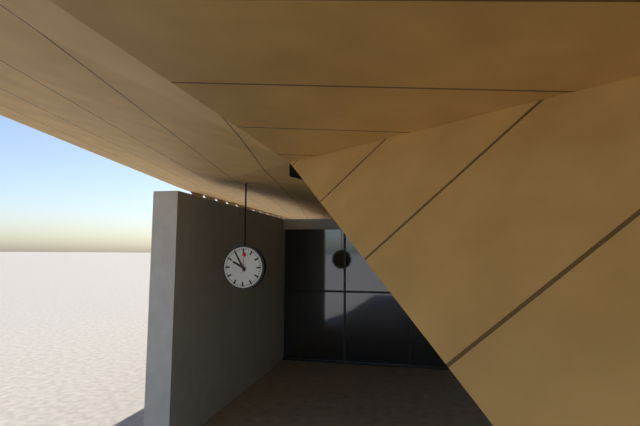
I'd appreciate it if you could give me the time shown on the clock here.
9:55
